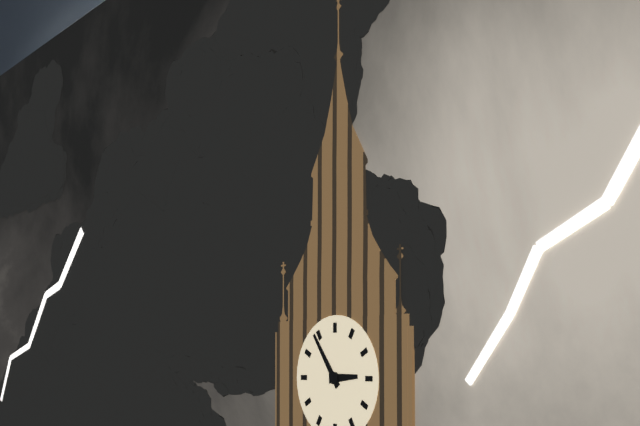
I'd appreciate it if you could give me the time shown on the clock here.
2:54
